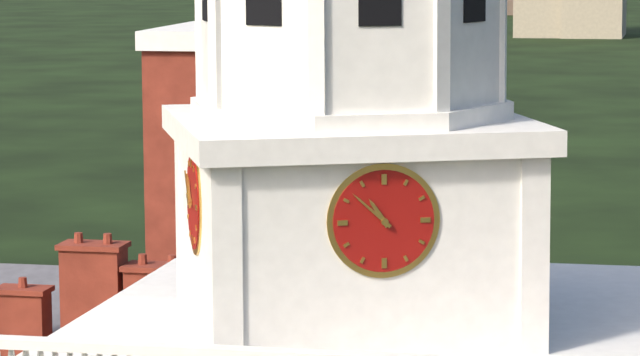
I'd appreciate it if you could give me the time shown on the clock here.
10:52
